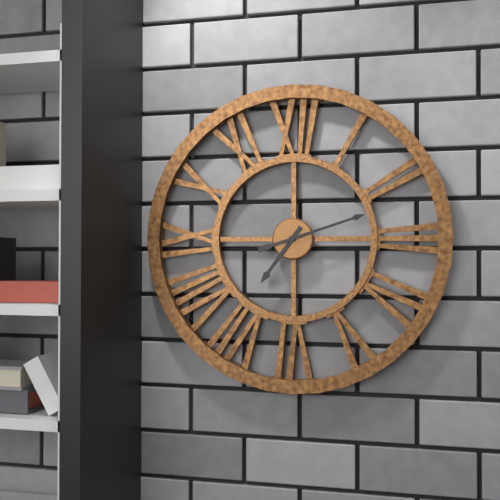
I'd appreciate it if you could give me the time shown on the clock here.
7:12
